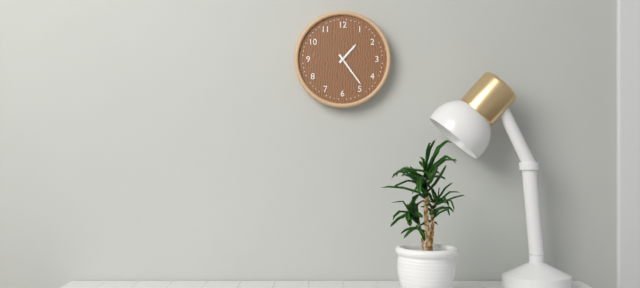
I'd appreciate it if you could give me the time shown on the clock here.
1:24
